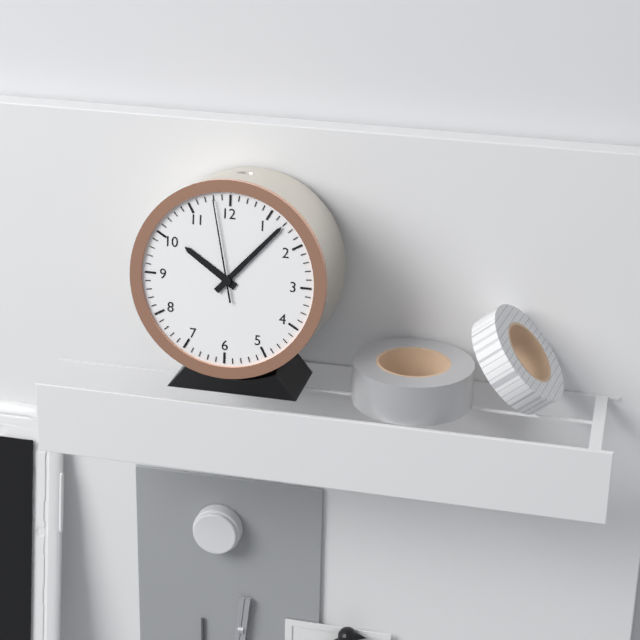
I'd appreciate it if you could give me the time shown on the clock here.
10:07:58
